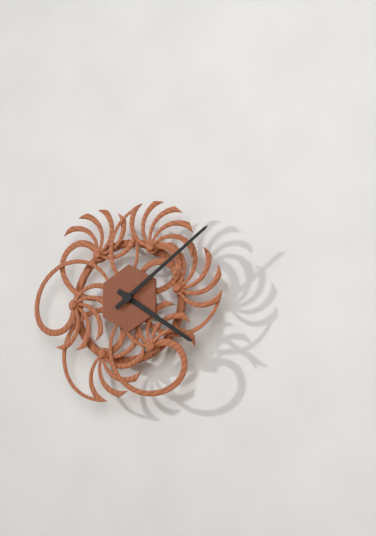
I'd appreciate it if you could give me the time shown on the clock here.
4:09
